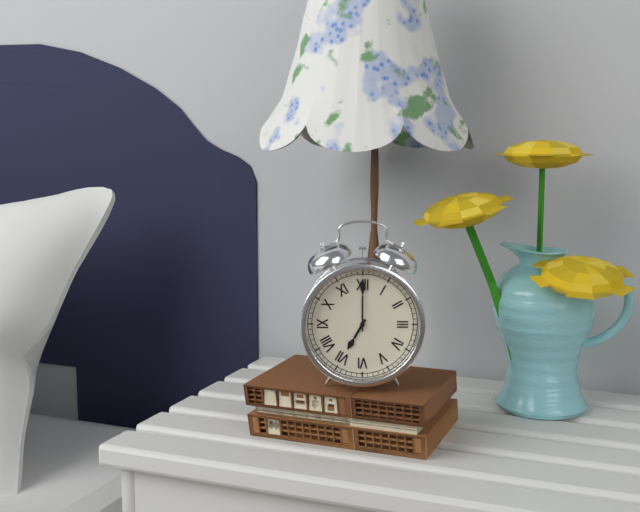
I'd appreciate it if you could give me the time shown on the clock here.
7:00
